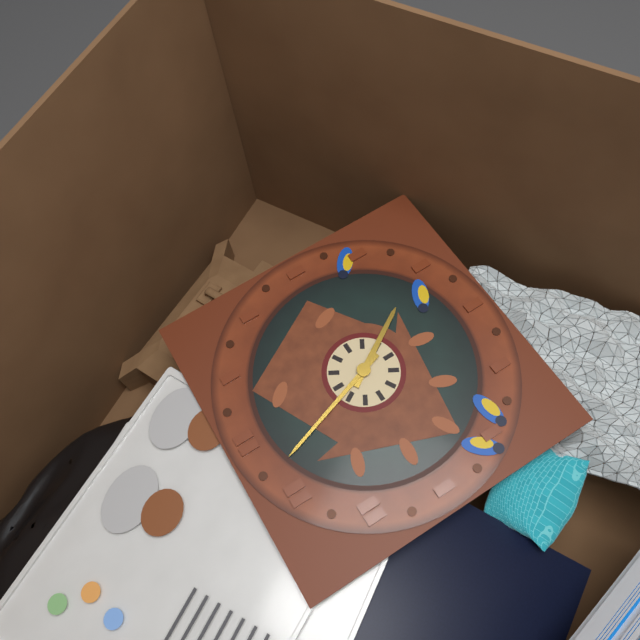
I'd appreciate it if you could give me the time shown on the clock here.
4:57
